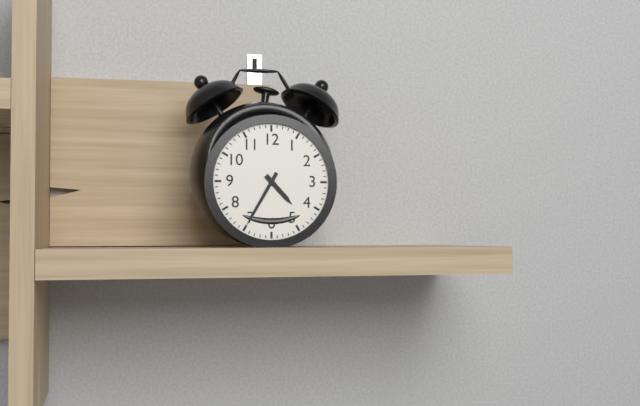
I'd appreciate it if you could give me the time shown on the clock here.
4:35
